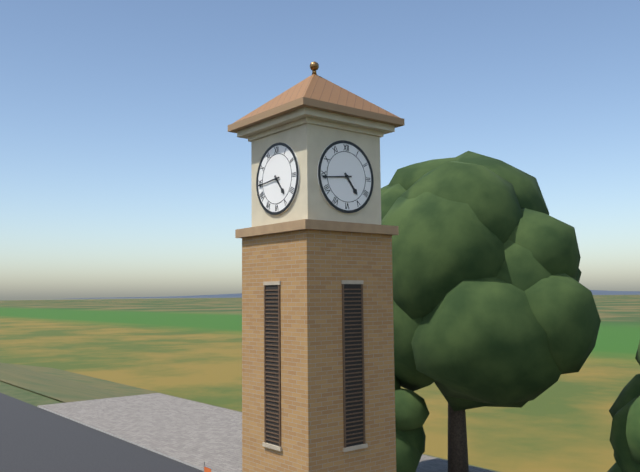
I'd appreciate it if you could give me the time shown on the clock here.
4:44
